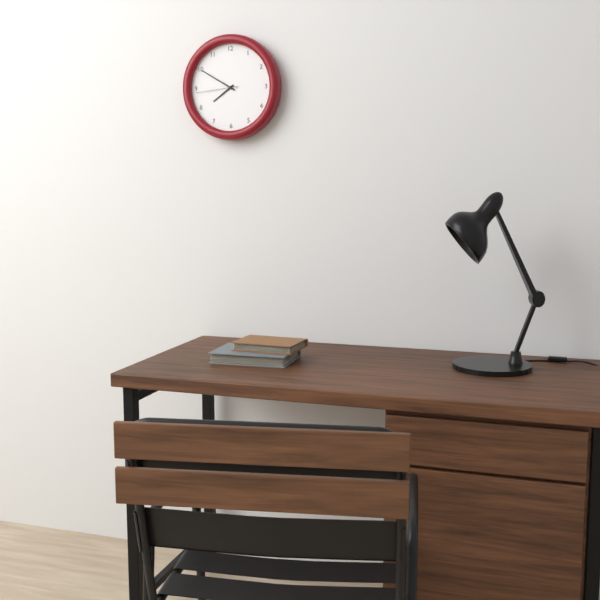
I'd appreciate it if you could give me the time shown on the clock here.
7:50
